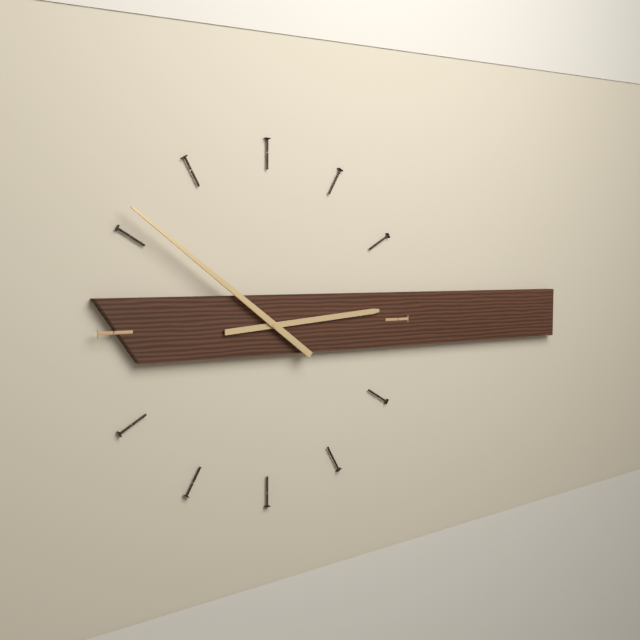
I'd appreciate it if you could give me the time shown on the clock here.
2:51
